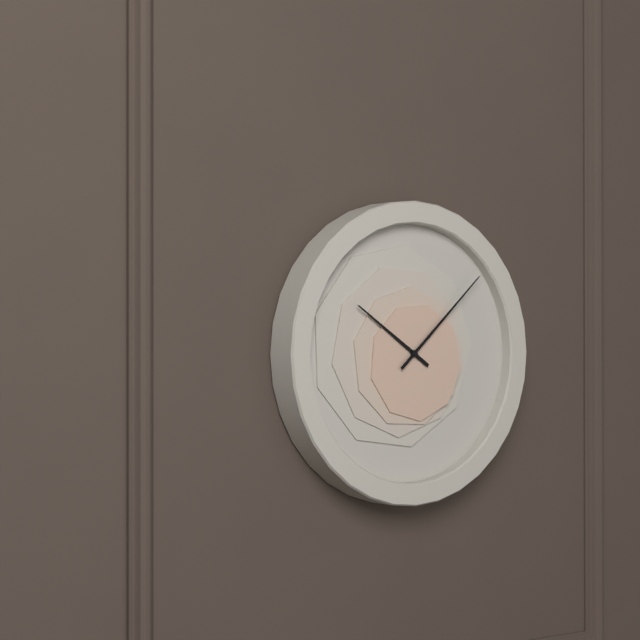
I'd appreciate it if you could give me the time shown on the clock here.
10:08
